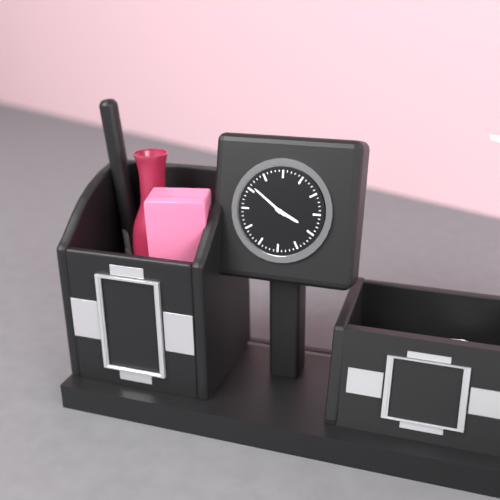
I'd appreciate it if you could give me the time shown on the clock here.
3:51
